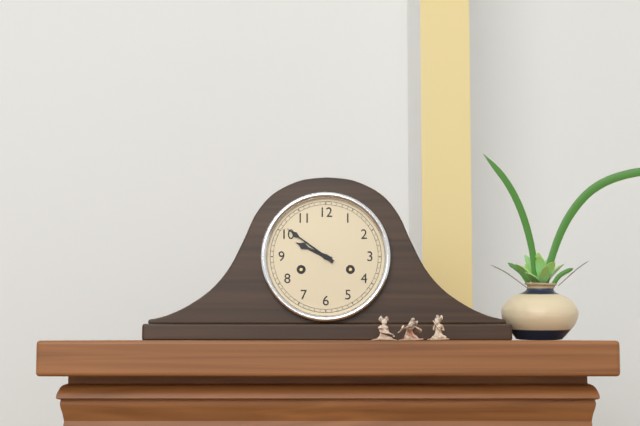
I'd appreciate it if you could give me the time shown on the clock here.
9:51
